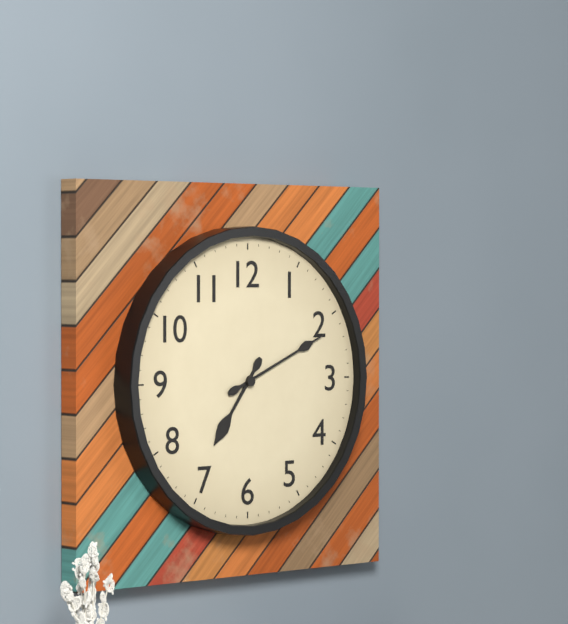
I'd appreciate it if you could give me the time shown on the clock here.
7:11
